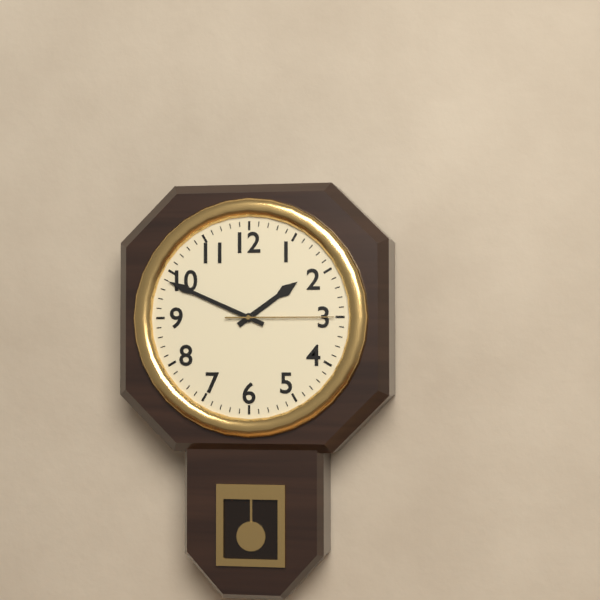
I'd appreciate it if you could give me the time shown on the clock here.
1:49:15
